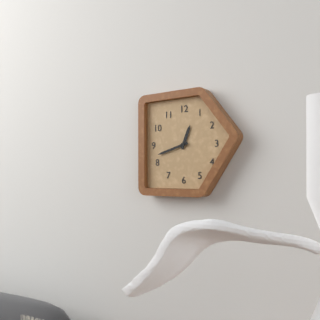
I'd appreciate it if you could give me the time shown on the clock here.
12:42
